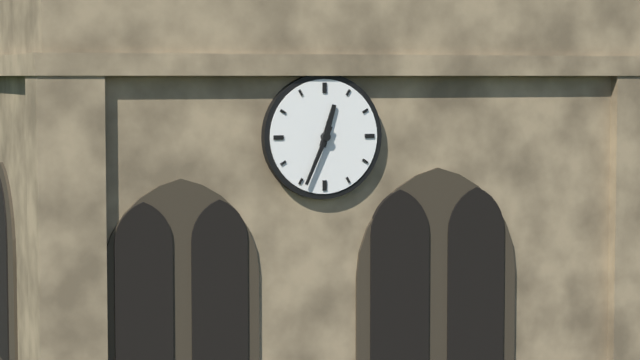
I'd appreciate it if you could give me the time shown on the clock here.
12:34
